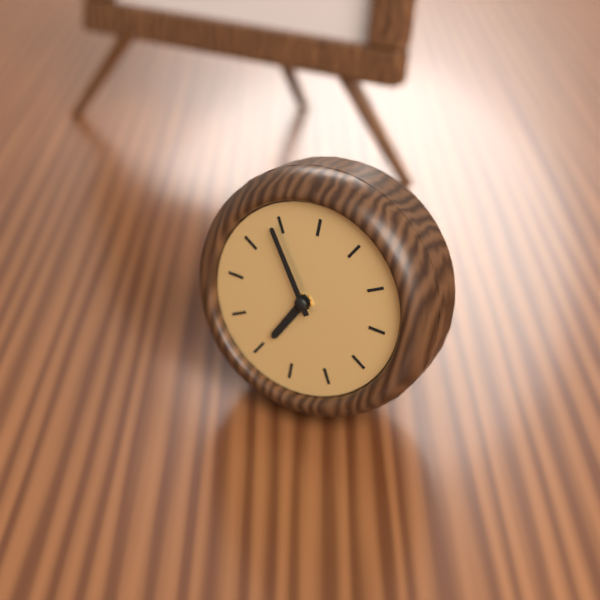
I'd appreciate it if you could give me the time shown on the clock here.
6:54
